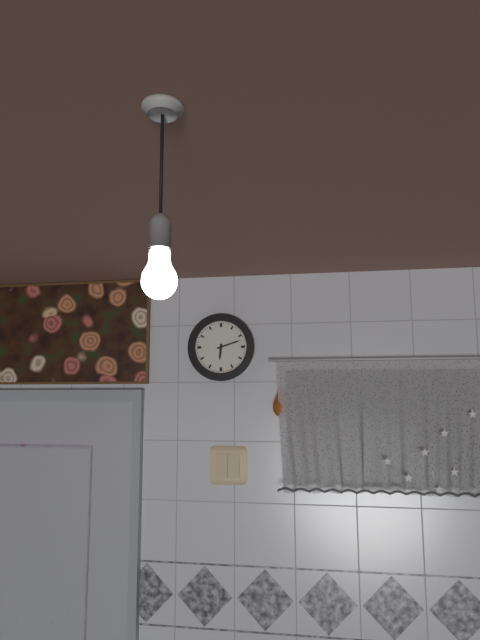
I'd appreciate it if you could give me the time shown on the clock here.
6:12
